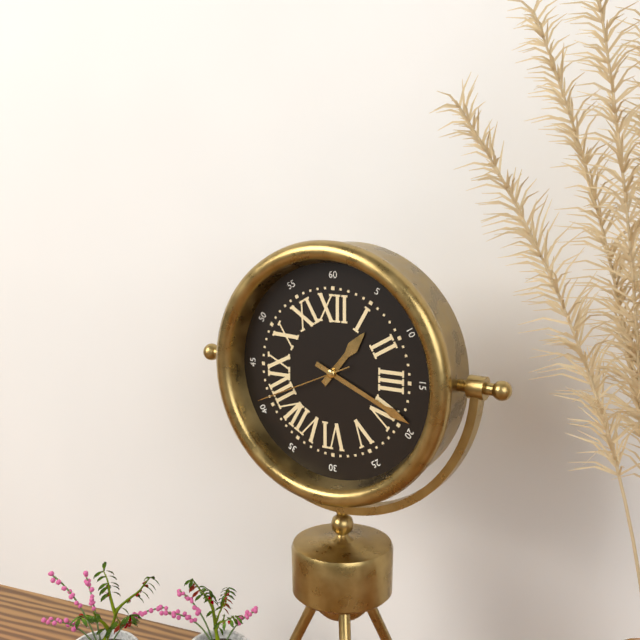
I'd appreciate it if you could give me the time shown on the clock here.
1:19:41
